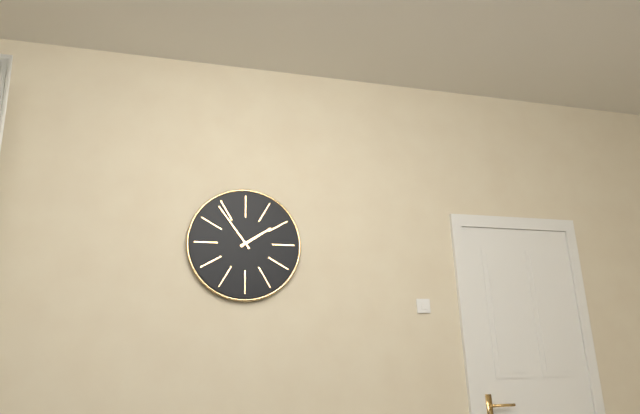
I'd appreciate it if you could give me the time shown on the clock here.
1:54
